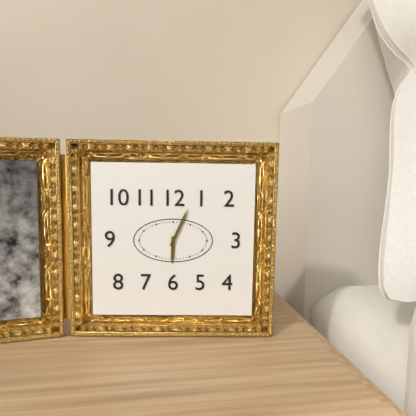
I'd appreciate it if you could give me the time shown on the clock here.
6:04
